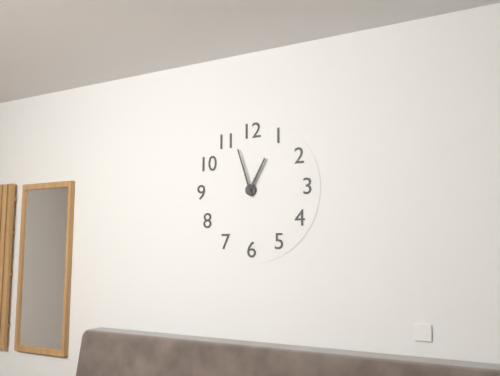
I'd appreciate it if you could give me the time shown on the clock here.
12:57
